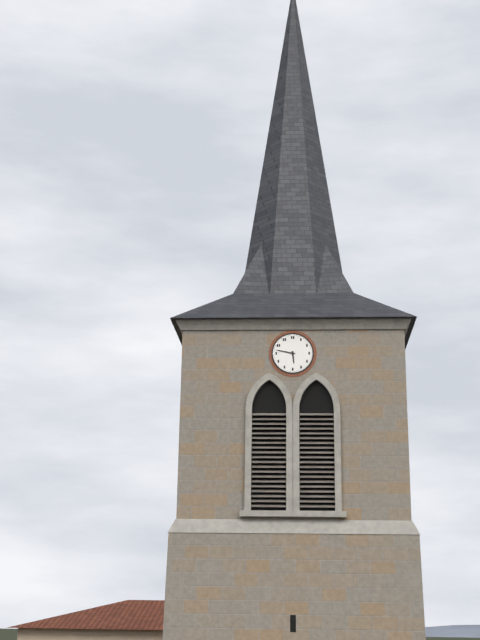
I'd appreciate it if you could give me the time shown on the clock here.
5:47
